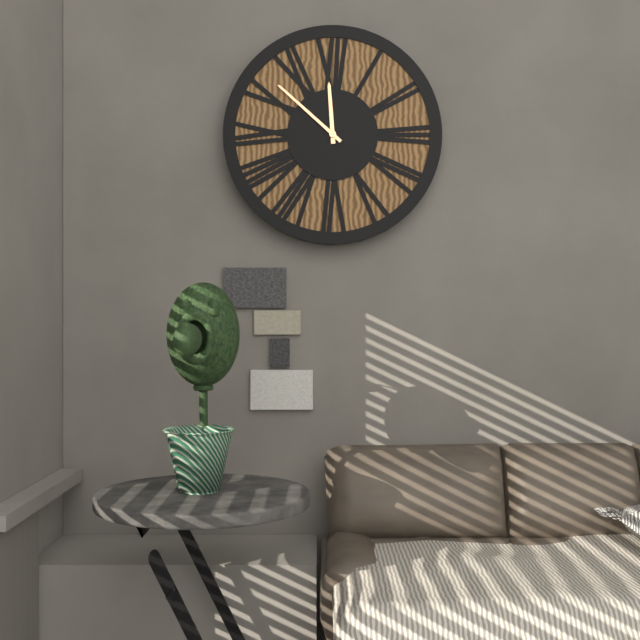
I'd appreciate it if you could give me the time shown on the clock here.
11:52
